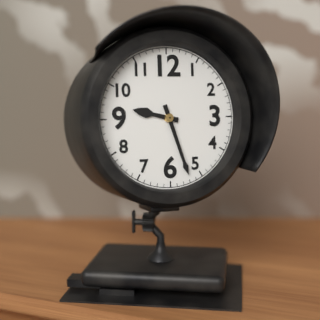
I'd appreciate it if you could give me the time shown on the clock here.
9:27
